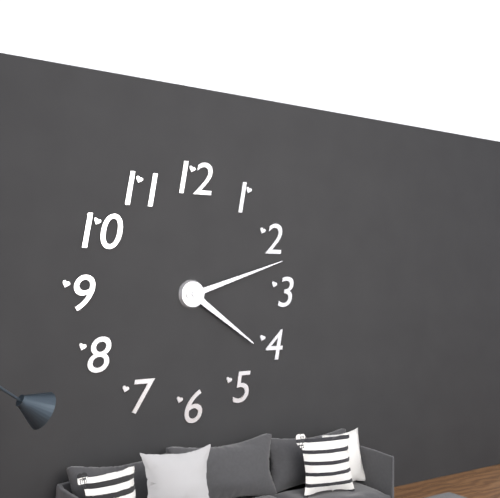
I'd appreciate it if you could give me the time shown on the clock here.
4:12
